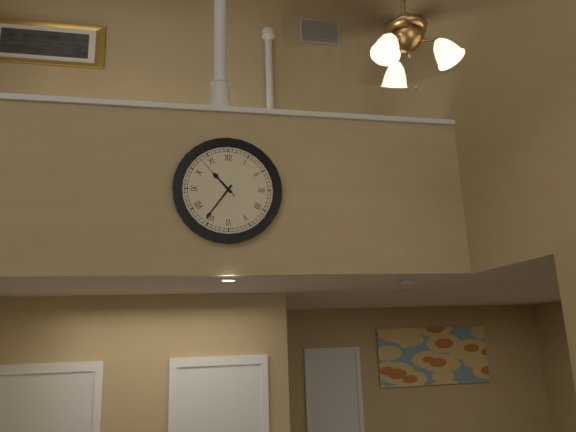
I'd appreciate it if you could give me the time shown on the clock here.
10:36:53
